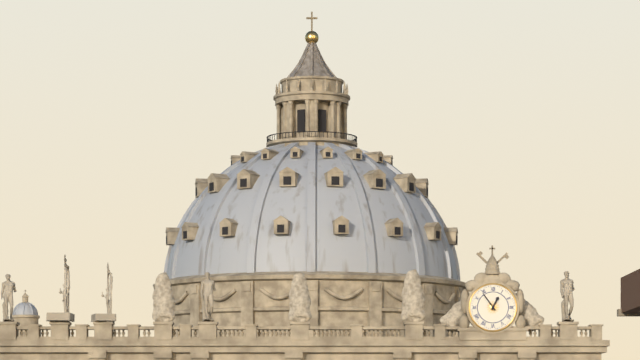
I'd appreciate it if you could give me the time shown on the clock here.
12:54
